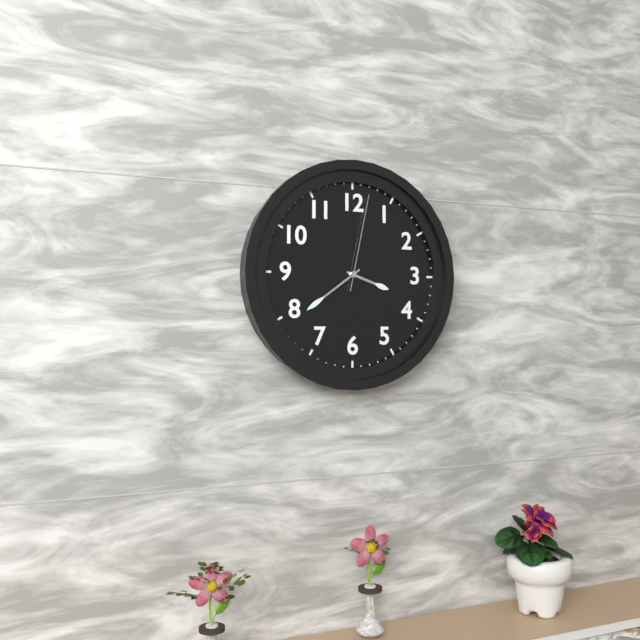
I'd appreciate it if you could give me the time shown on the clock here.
3:39:02
